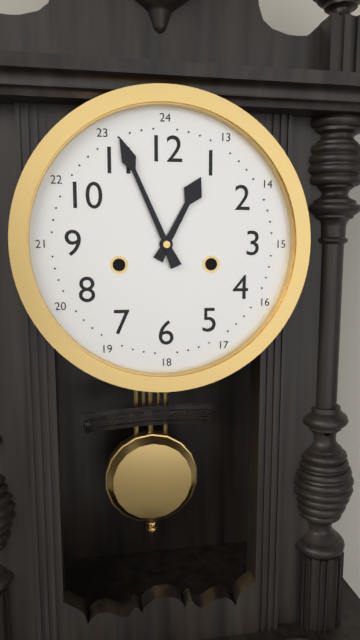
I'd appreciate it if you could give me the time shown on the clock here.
12:56
